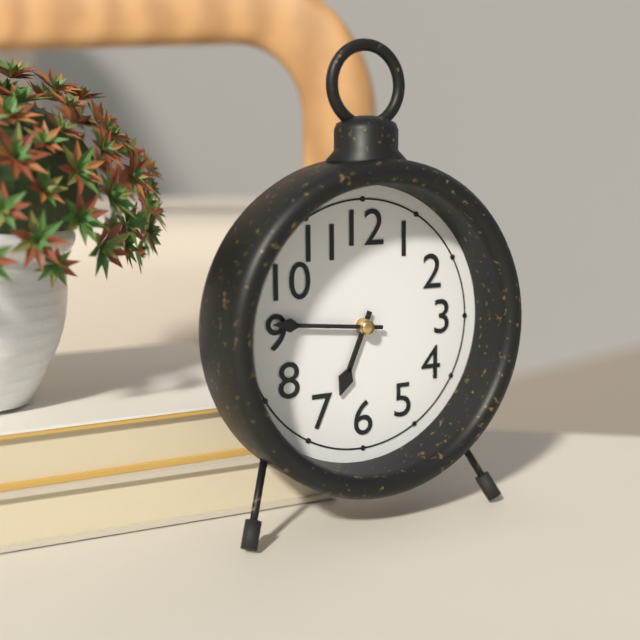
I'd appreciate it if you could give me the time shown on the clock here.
6:46
